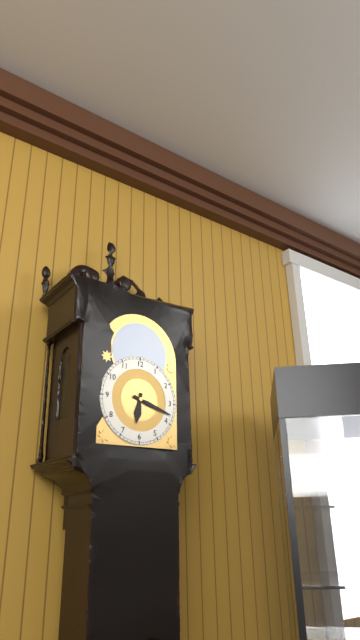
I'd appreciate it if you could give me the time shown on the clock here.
6:18
